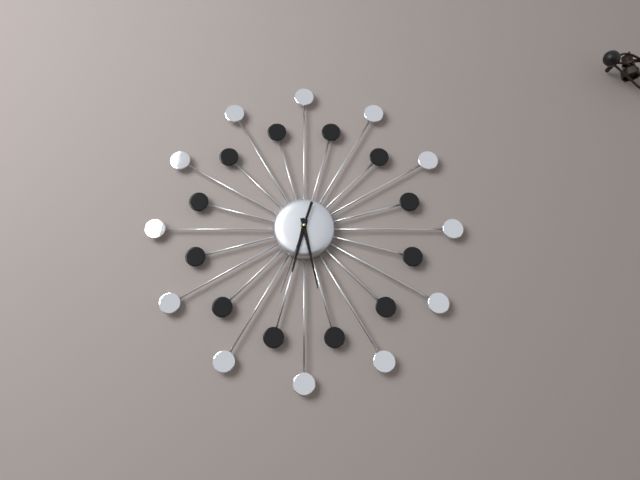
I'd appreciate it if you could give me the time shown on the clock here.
6:28:33
